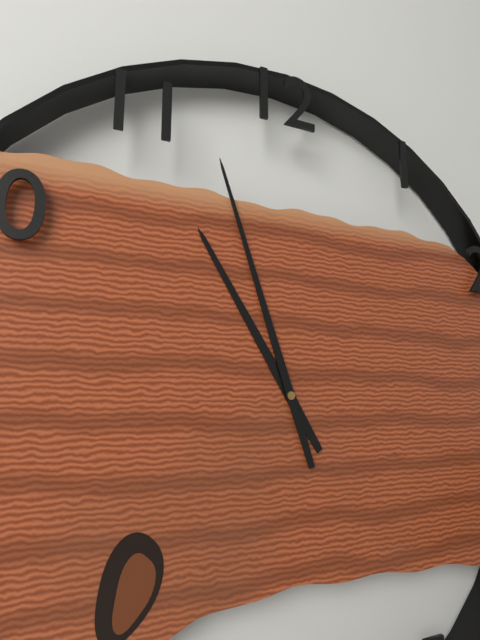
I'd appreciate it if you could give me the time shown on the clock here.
10:57
